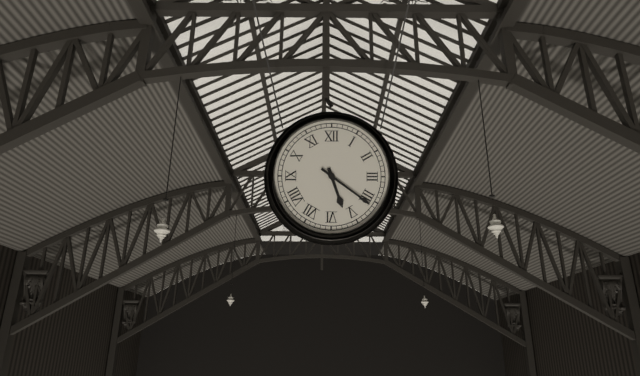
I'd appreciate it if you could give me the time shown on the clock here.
5:21
